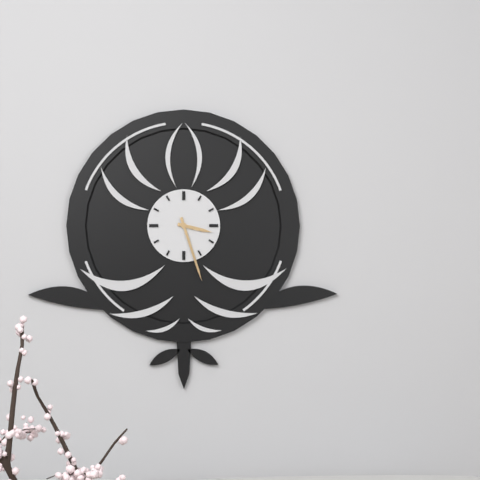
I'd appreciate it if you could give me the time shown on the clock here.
3:27
